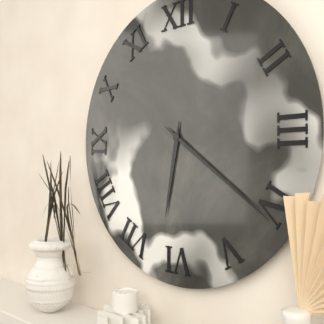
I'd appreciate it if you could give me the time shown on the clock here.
6:21
